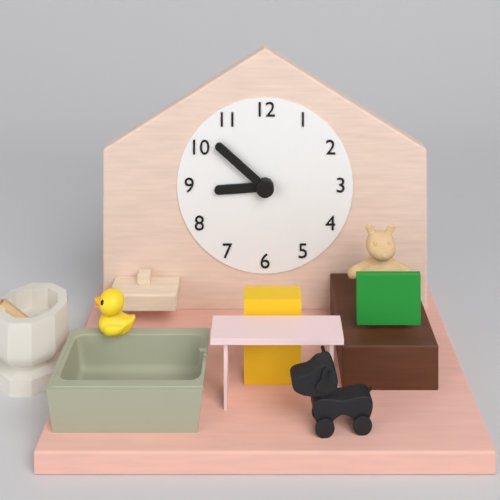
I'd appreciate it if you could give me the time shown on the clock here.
8:52
